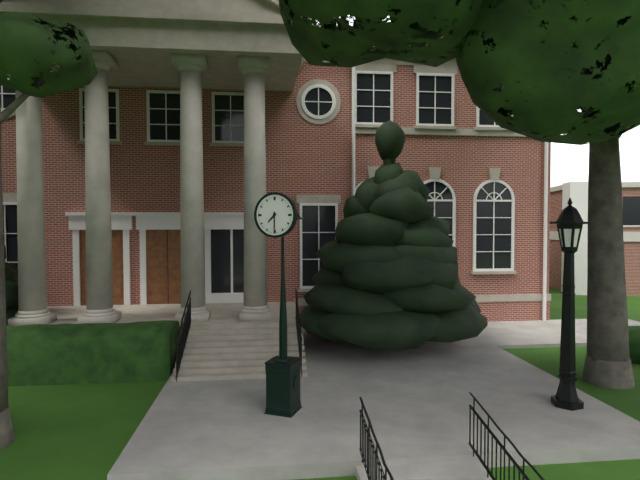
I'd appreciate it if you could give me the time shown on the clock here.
7:30
